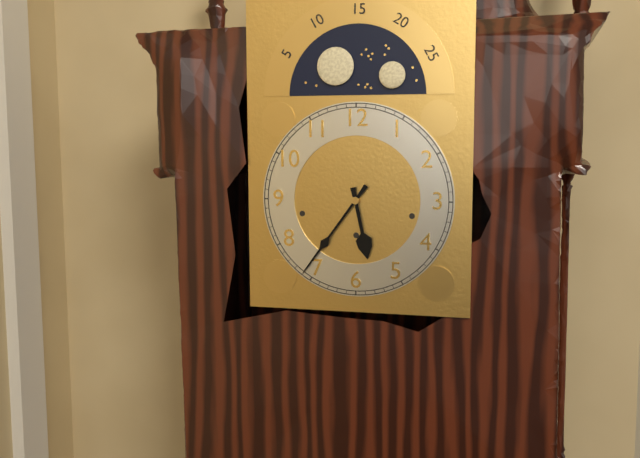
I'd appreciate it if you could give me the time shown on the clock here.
5:36
